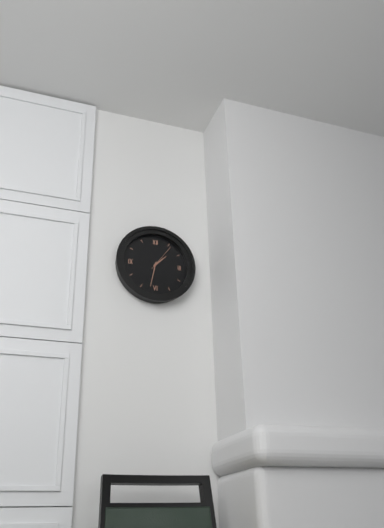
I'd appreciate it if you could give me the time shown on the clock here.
1:32
